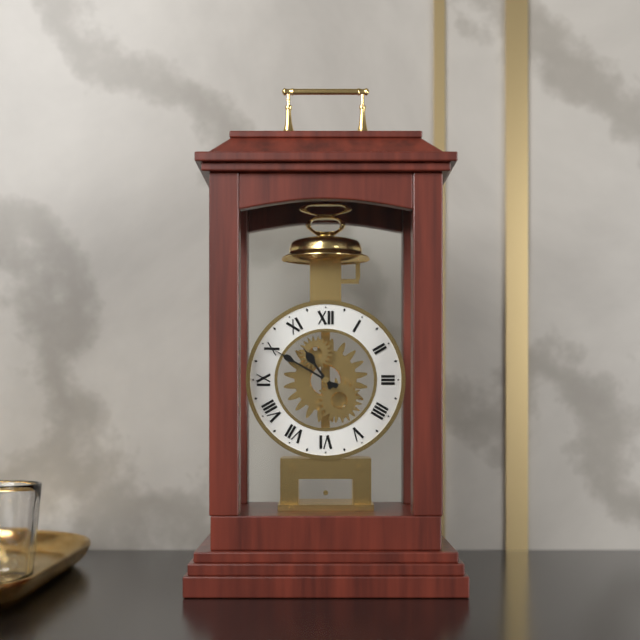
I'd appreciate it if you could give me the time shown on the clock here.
10:50
